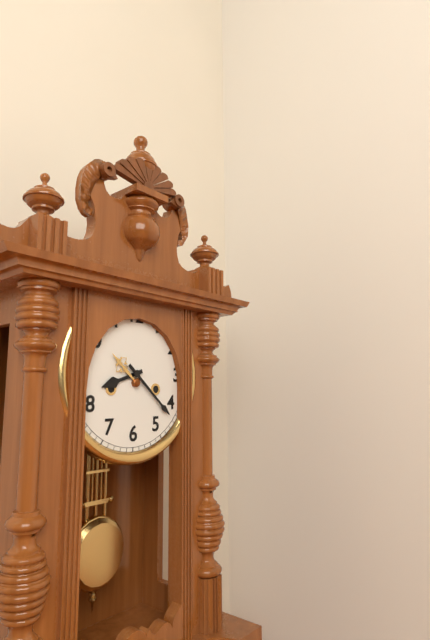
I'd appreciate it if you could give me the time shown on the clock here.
8:22
